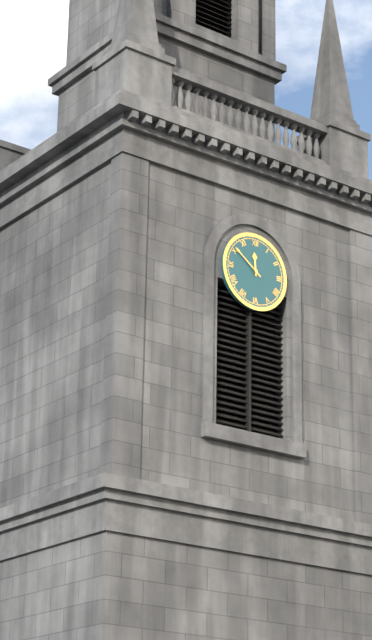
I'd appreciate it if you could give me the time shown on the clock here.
11:51
